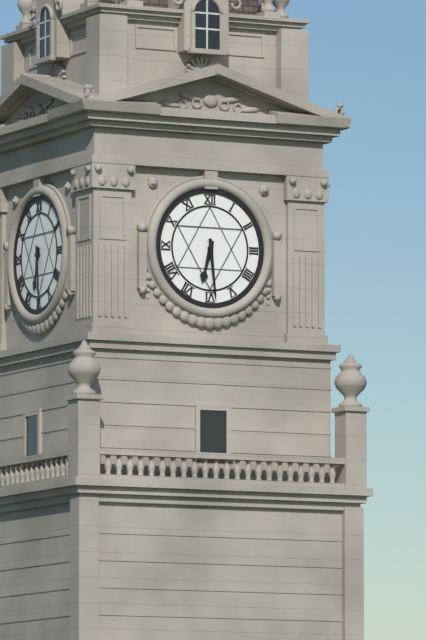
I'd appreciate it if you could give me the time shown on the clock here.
6:29
